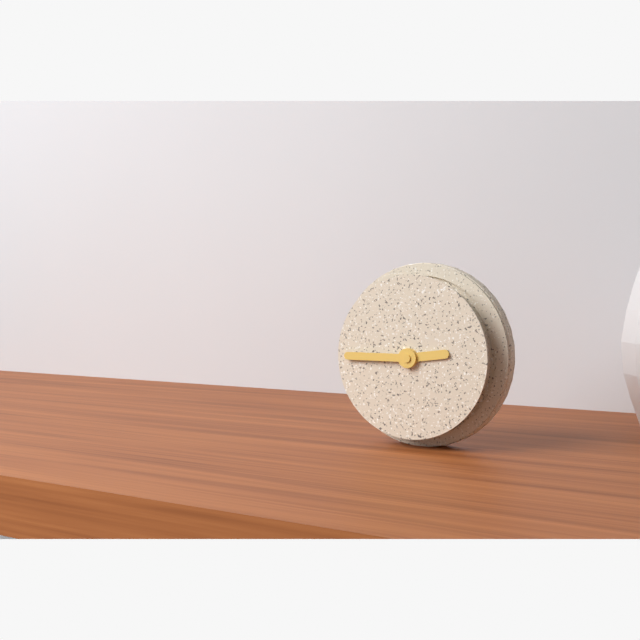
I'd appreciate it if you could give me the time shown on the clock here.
2:45
